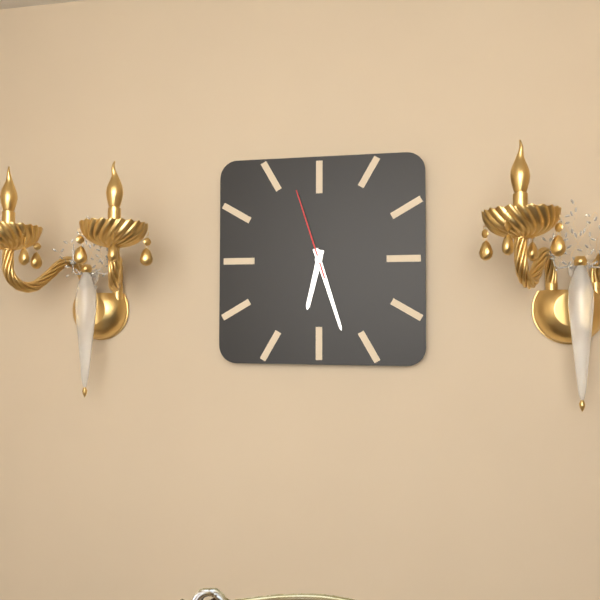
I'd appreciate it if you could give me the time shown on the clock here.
6:27:57
